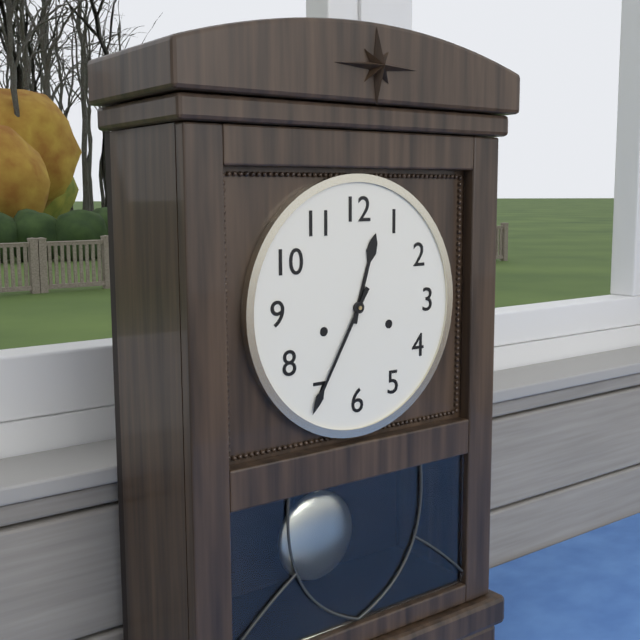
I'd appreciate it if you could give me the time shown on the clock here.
12:35
